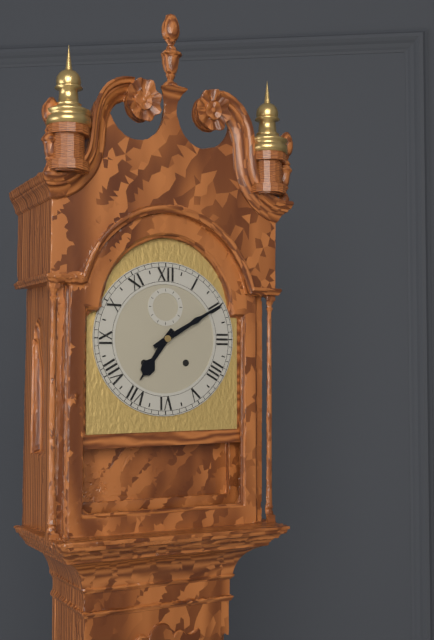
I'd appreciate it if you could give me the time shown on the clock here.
7:10
